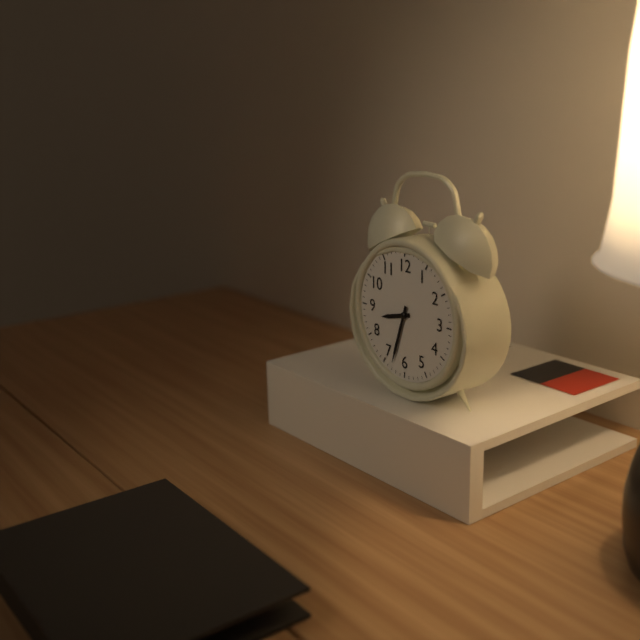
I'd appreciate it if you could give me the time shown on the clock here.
8:33
